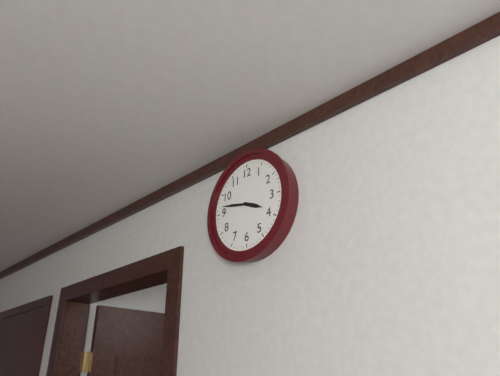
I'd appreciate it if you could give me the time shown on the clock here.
3:47
